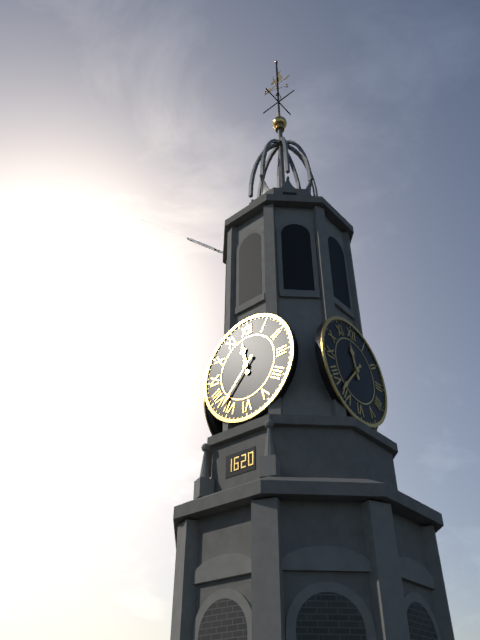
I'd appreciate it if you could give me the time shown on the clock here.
11:37
